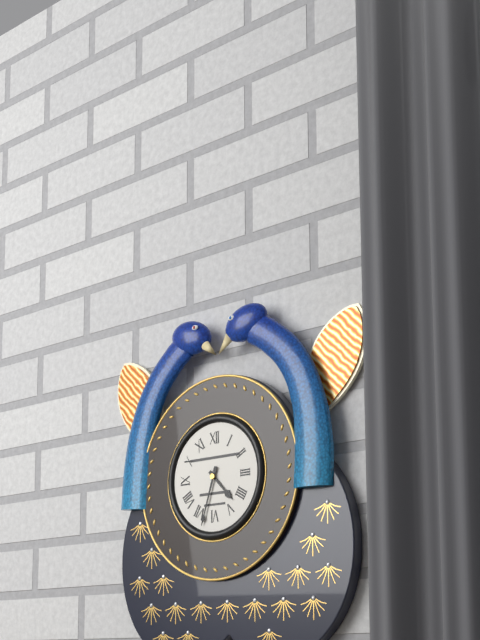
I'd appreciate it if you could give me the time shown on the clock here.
4:33
